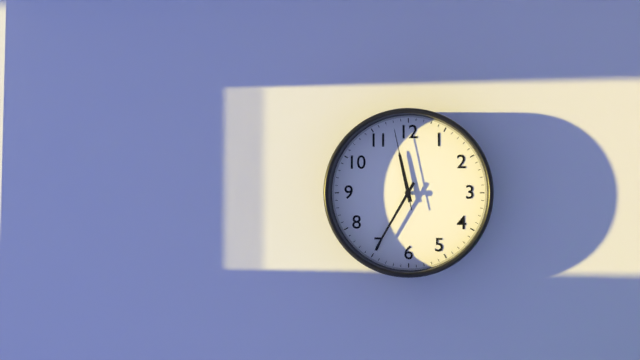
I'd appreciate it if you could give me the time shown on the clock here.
11:35:58
